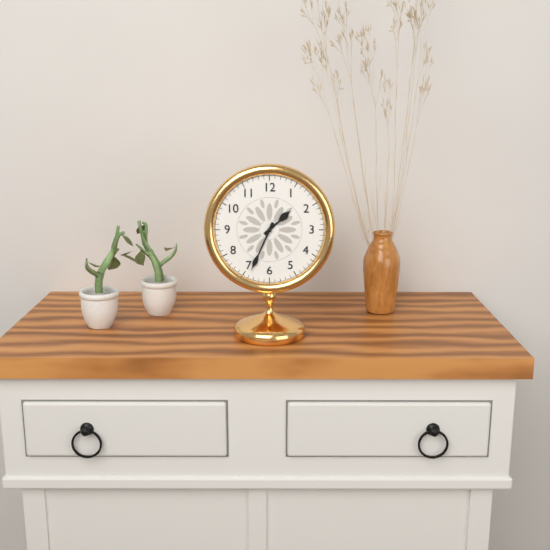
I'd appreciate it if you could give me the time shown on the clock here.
1:34
